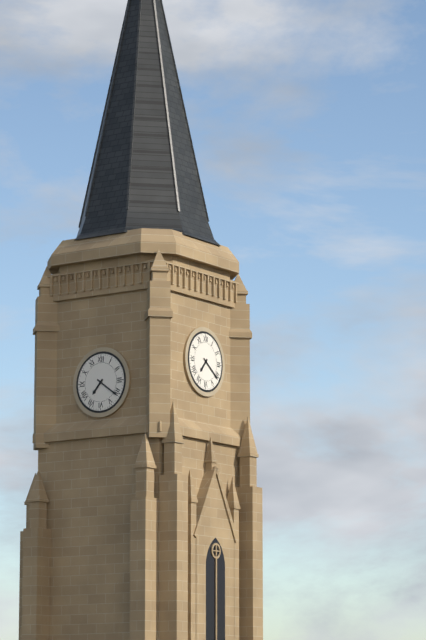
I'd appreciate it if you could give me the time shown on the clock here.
7:21
